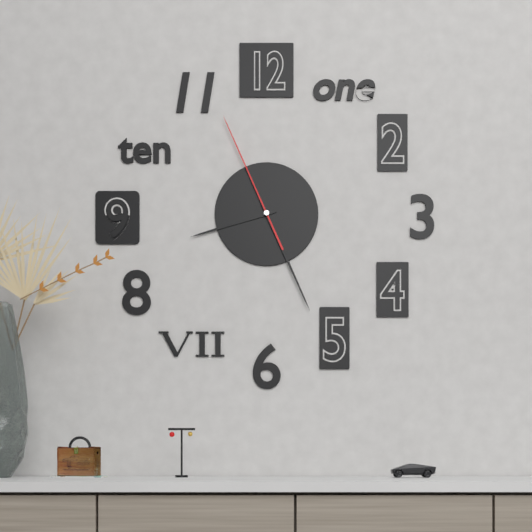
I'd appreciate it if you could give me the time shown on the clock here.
8:26:56
